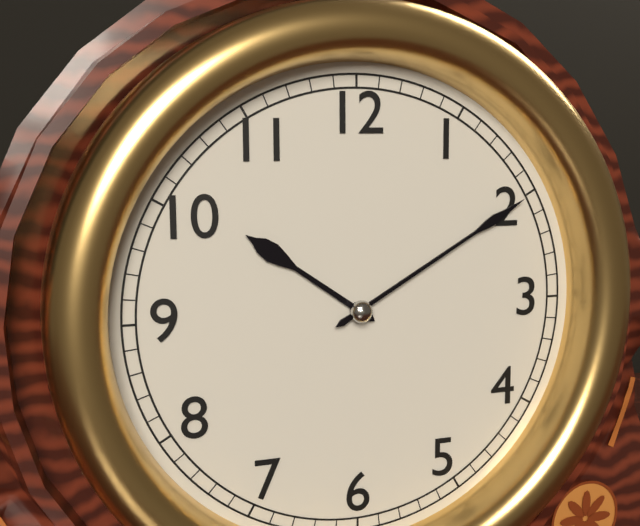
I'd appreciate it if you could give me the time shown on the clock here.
10:10
